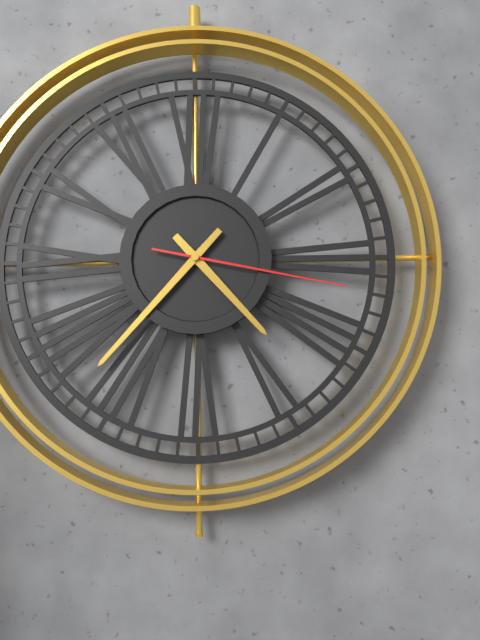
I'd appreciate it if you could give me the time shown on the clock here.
4:37:17
